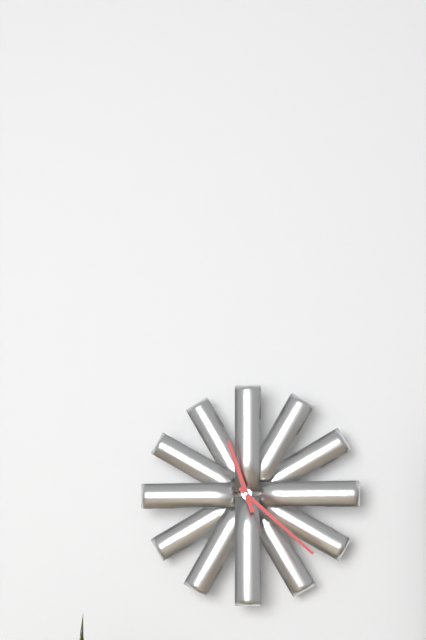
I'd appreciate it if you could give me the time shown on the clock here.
11:22
